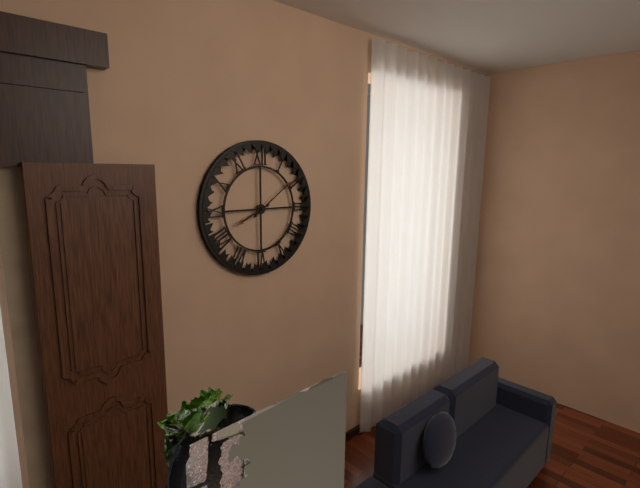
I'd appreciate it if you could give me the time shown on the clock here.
8:09
